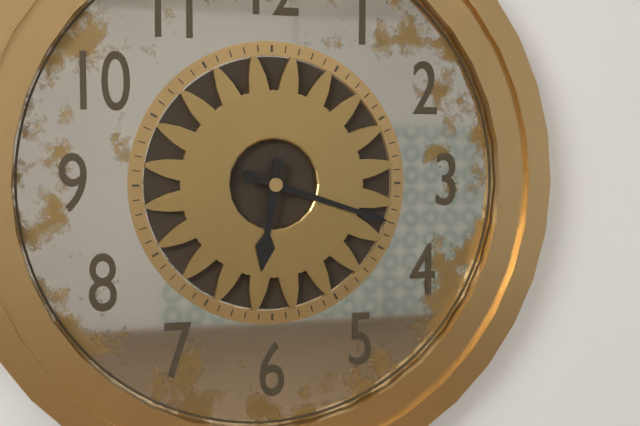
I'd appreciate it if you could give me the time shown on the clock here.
6:18
